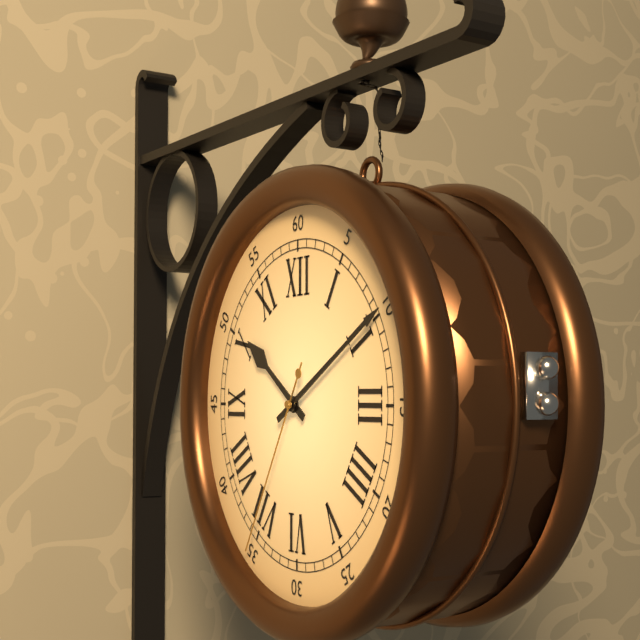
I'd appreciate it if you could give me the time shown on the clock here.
10:10:35
